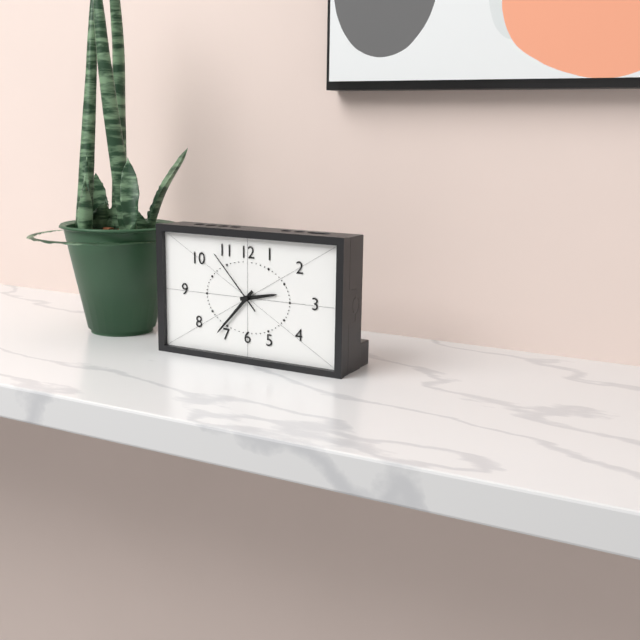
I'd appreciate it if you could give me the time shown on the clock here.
2:37:53
